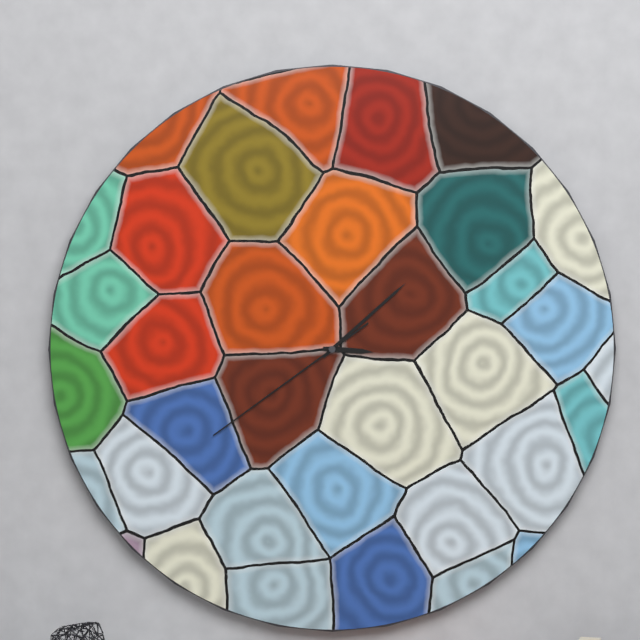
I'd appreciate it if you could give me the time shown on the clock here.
3:08:39
